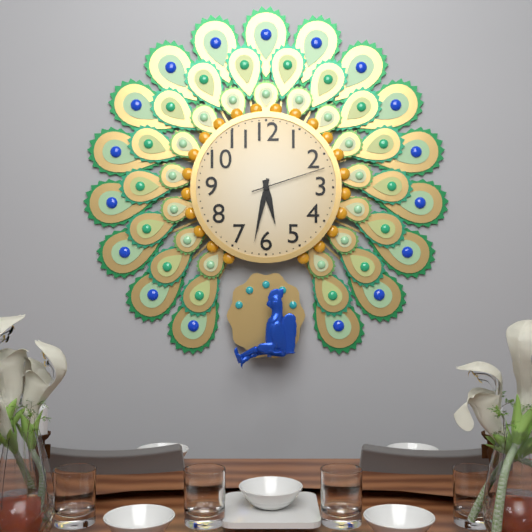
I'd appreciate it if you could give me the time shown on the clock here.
5:32:12
